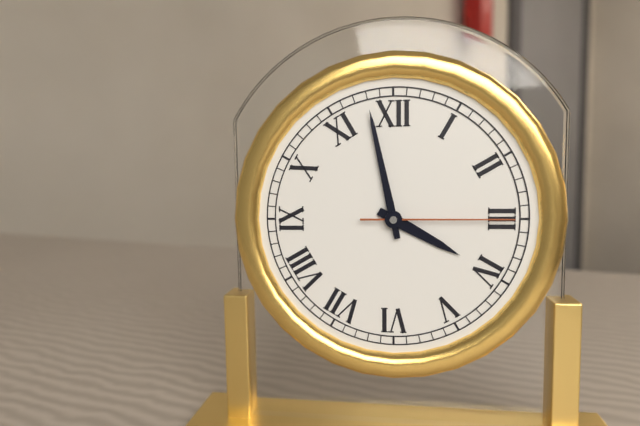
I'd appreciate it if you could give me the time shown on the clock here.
3:58:15
